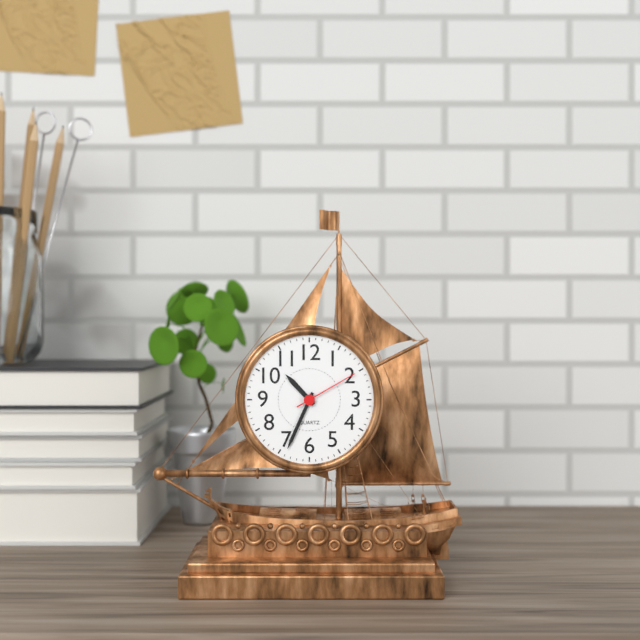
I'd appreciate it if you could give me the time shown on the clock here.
10:34:10
